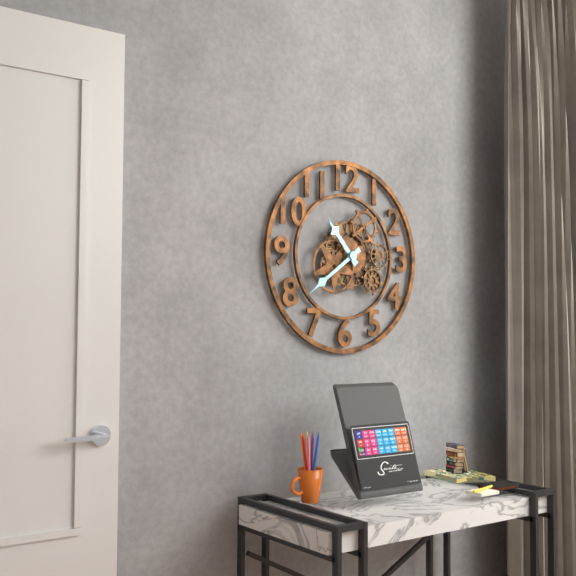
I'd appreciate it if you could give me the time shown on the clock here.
10:39
